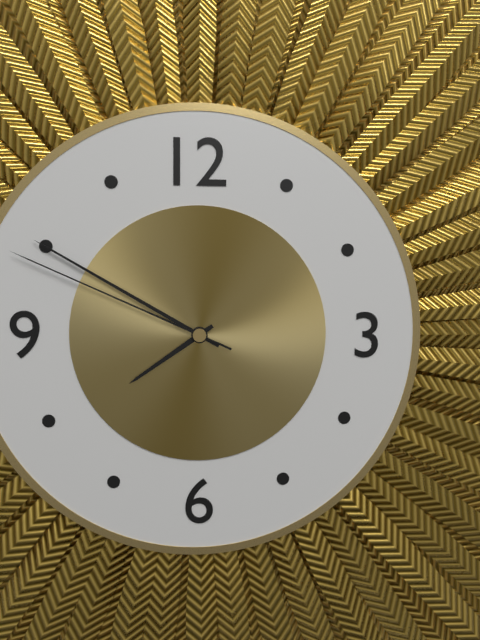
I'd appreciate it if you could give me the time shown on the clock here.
7:50:49
